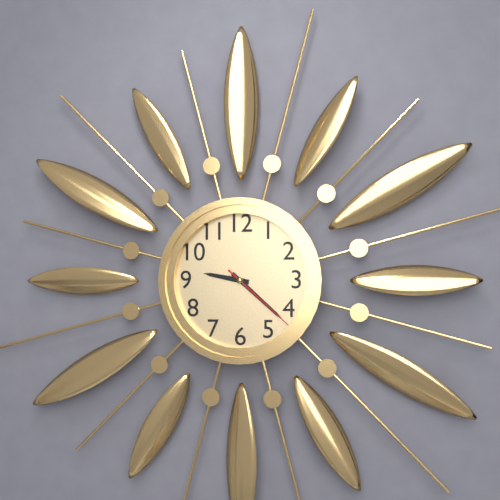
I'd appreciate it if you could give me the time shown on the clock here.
9:22:22
